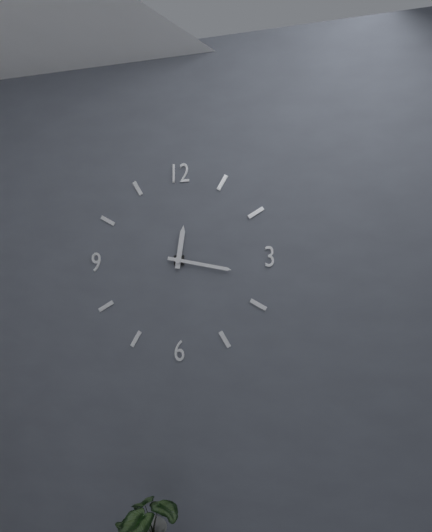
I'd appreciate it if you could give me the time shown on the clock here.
12:17
